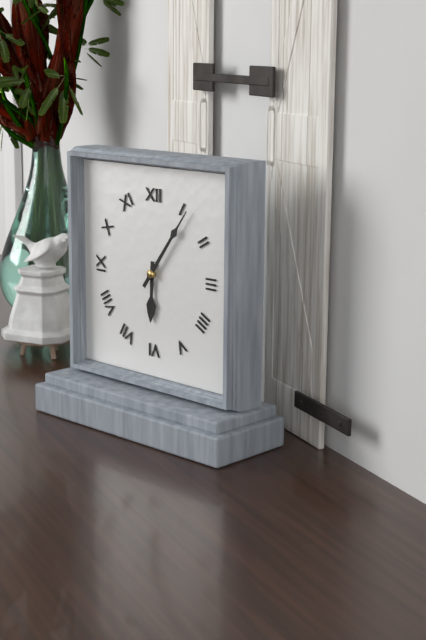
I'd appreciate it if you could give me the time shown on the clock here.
6:06
